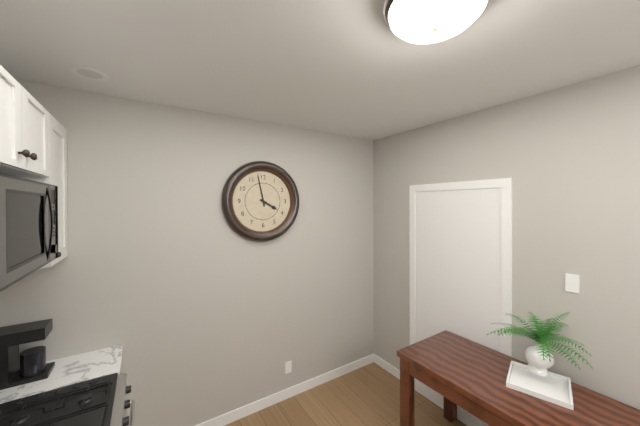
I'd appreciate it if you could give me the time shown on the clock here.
3:58
